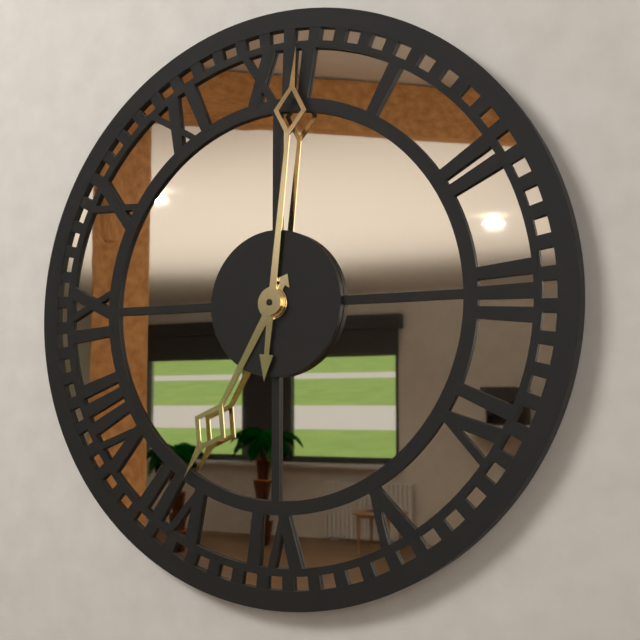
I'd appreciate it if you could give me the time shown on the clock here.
7:01
